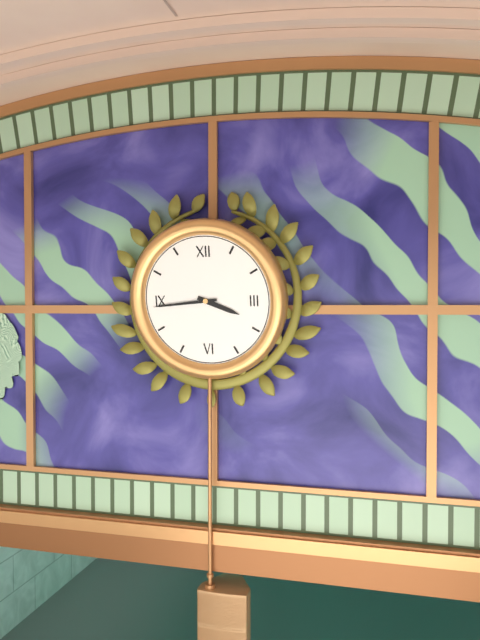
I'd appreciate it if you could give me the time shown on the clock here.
3:44
